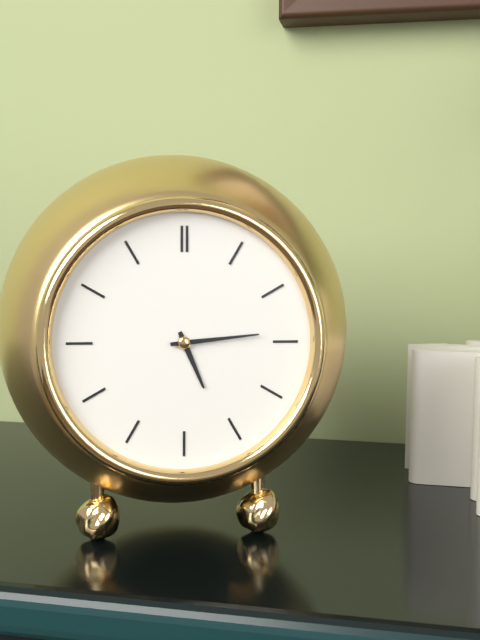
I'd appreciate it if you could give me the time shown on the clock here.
5:14
